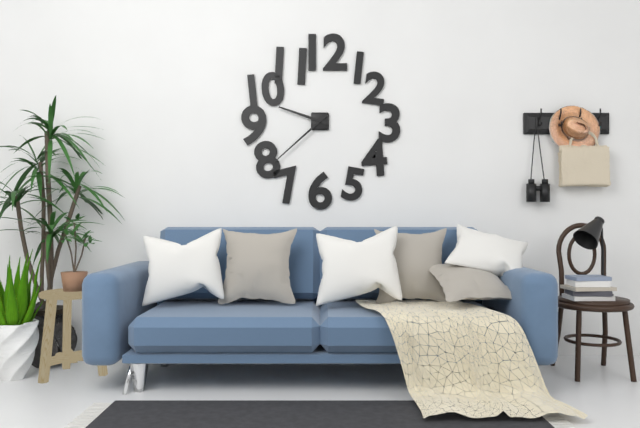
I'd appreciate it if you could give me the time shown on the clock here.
9:38
